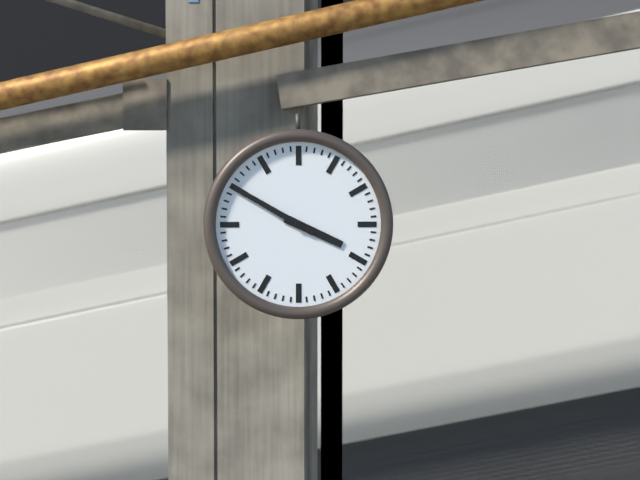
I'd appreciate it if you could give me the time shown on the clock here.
3:50
